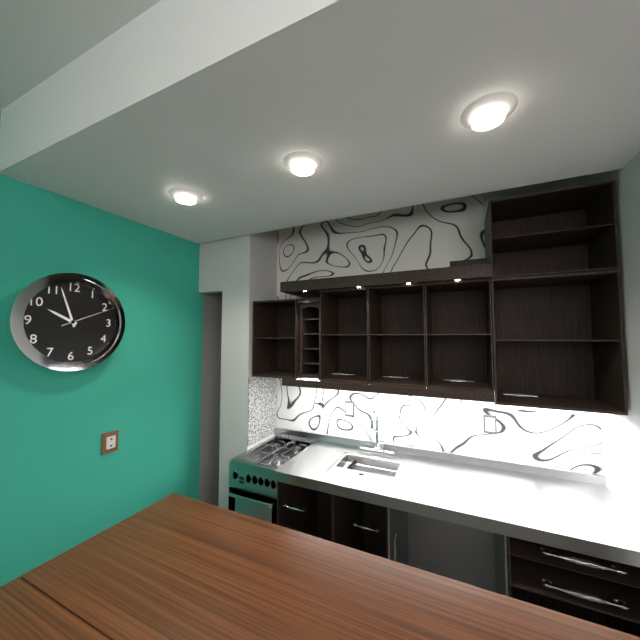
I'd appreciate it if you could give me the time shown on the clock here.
9:57
